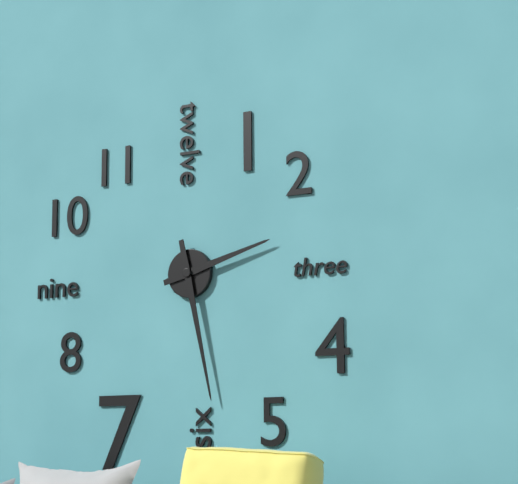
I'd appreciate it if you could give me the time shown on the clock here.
2:28
